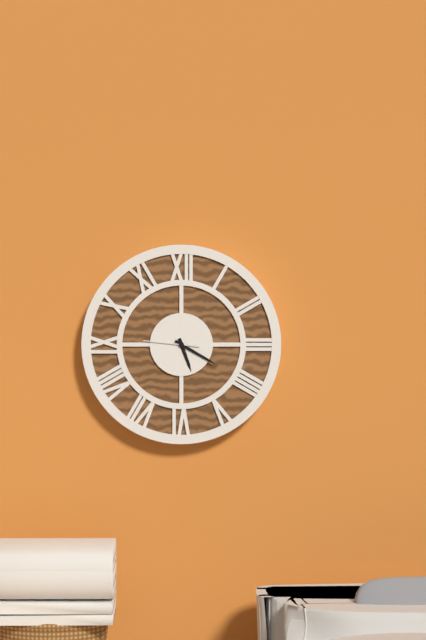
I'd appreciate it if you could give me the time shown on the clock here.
5:20
